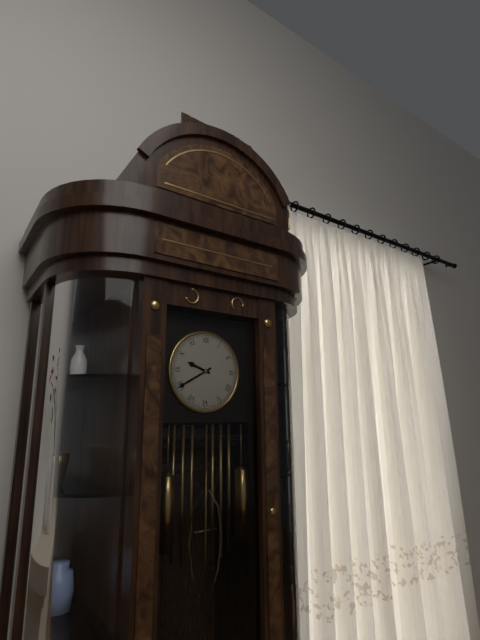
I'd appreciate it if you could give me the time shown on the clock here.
9:40
